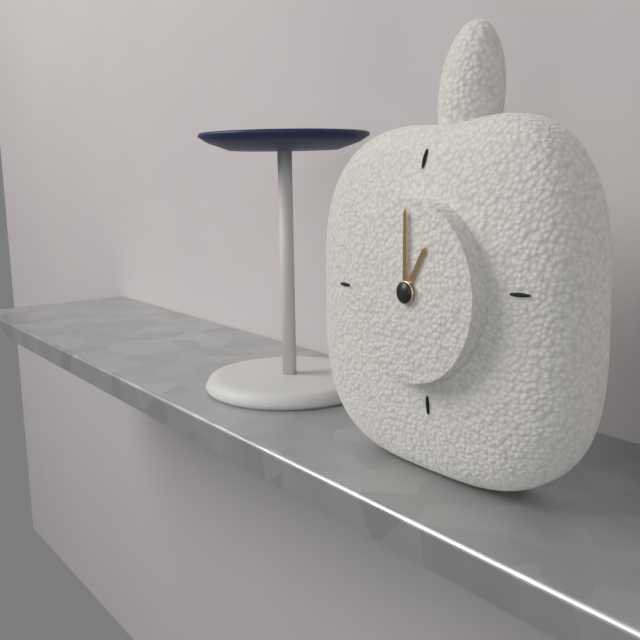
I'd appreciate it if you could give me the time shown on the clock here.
1:00
